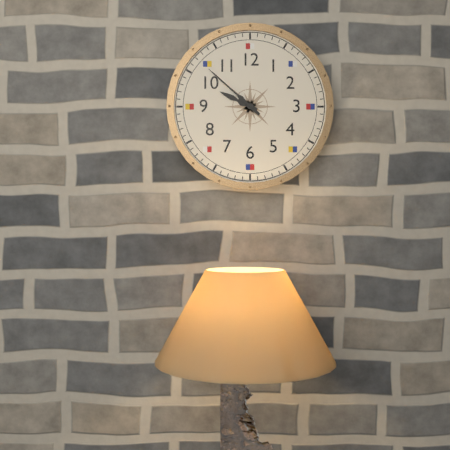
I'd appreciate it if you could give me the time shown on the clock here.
9:52
